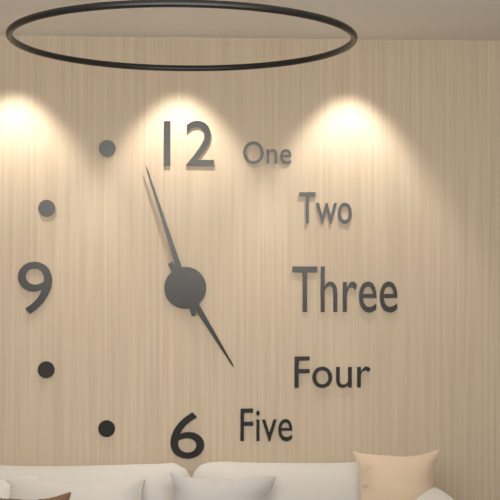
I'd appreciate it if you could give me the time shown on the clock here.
4:57
